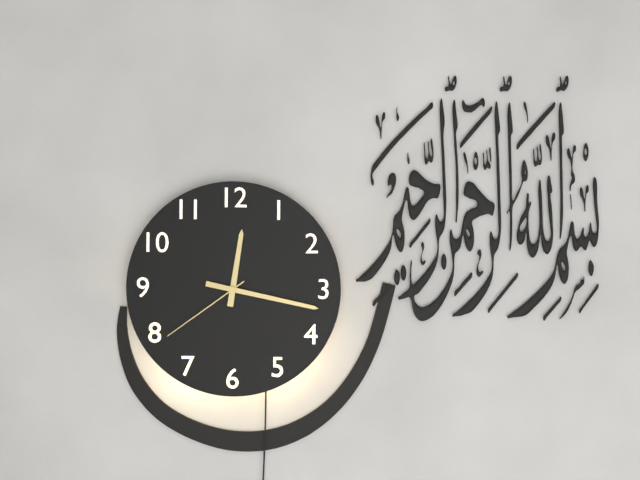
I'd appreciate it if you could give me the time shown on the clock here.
12:17:39
